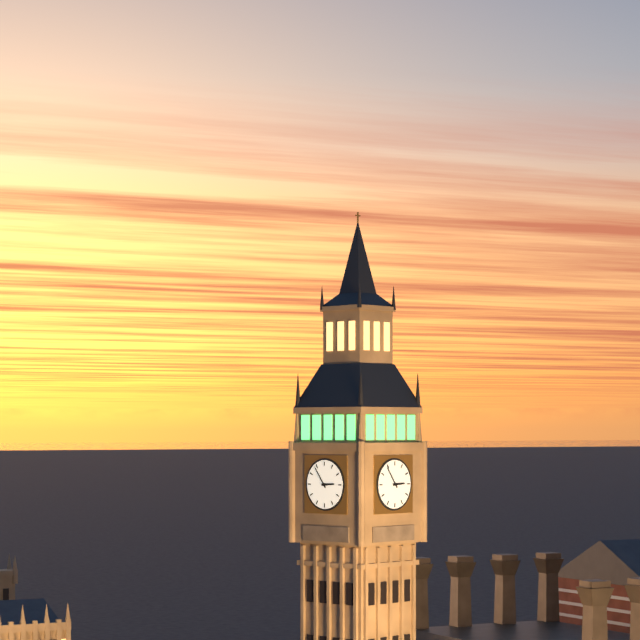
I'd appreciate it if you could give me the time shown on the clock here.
2:54
